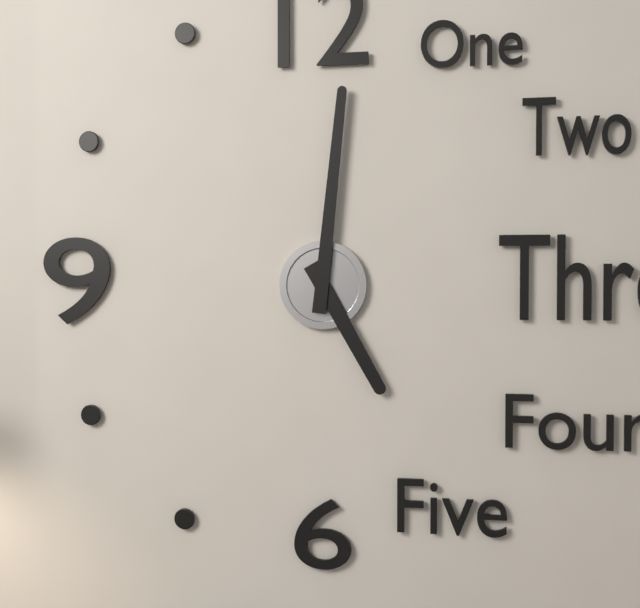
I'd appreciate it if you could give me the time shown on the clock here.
5:01
